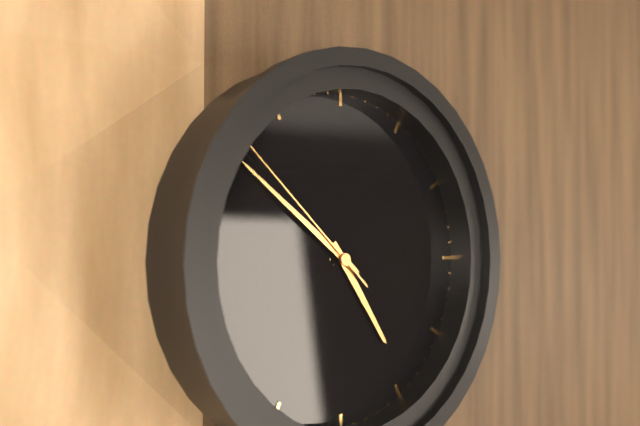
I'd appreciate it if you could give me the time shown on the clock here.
4:51:52
